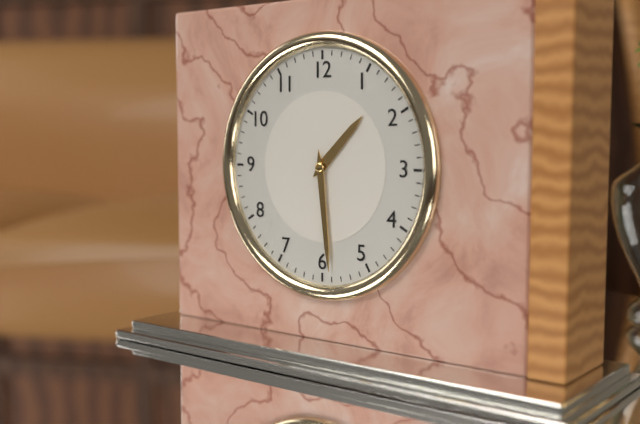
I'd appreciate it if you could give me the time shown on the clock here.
1:29
